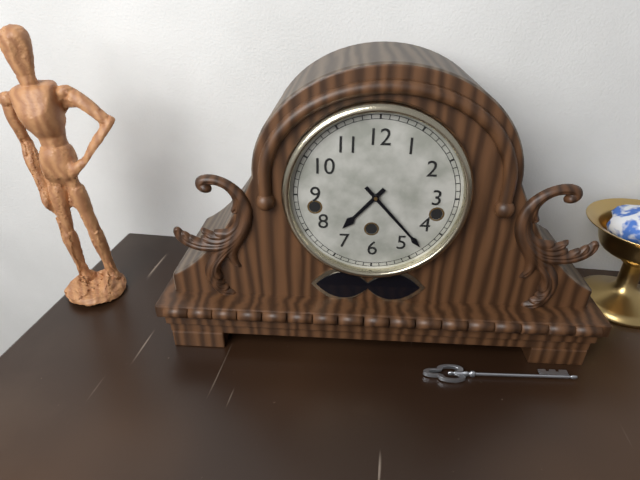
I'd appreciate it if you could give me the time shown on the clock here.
7:23
